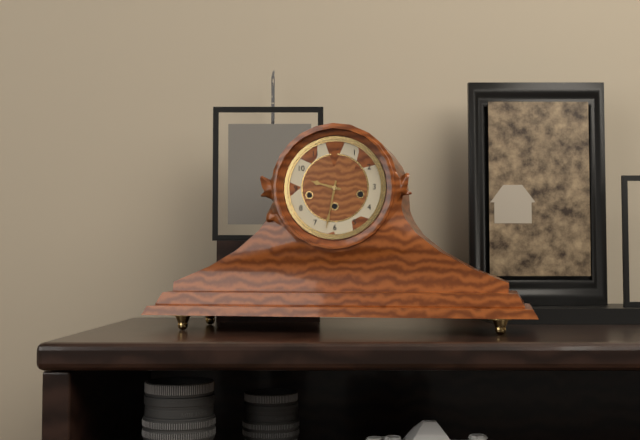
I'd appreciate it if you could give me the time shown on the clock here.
9:32
